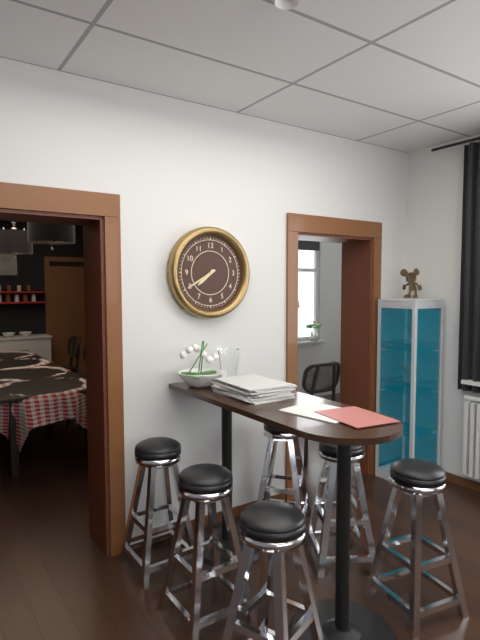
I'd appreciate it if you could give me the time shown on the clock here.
7:40
